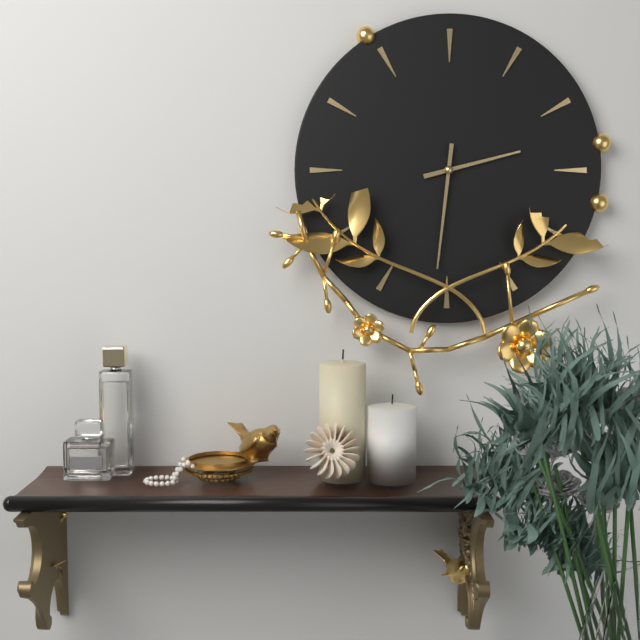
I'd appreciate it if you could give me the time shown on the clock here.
2:31
